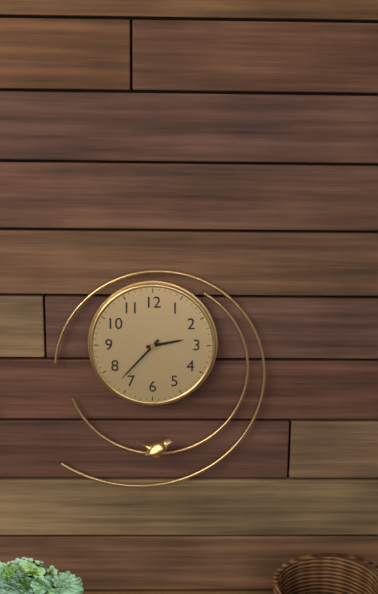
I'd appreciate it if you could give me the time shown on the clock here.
2:37
